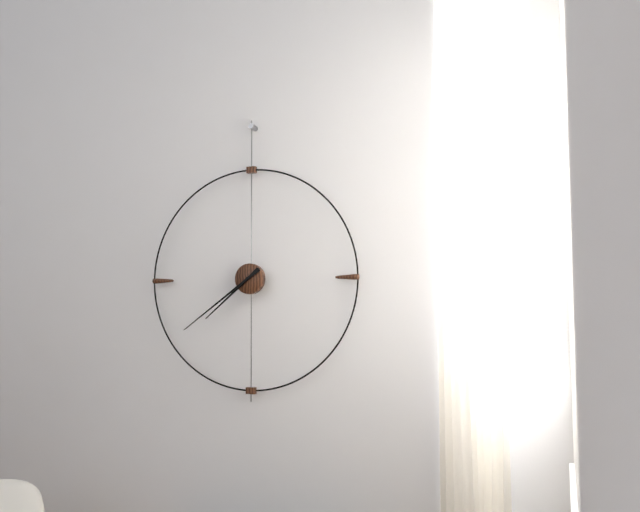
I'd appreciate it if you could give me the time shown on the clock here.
7:39
